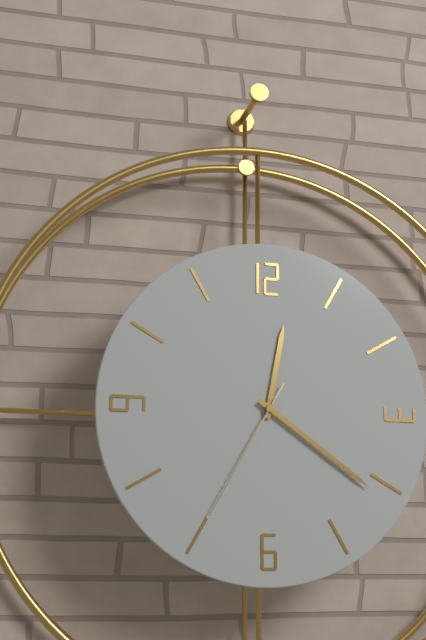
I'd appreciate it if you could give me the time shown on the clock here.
12:21:35
